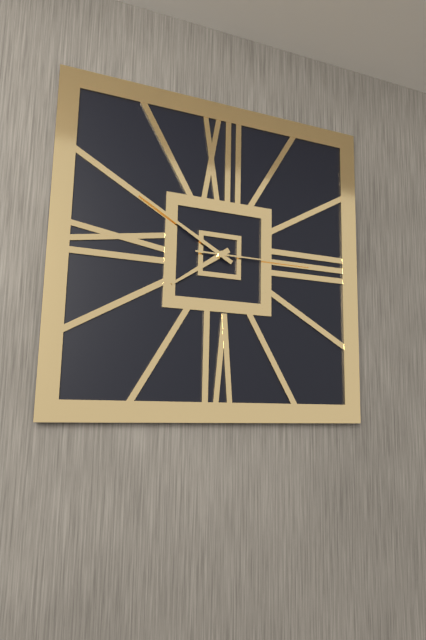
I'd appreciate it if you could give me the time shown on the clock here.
7:50:15
